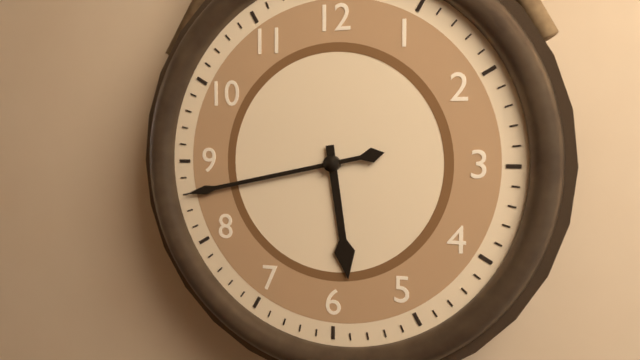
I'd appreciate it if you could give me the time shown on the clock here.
5:43
